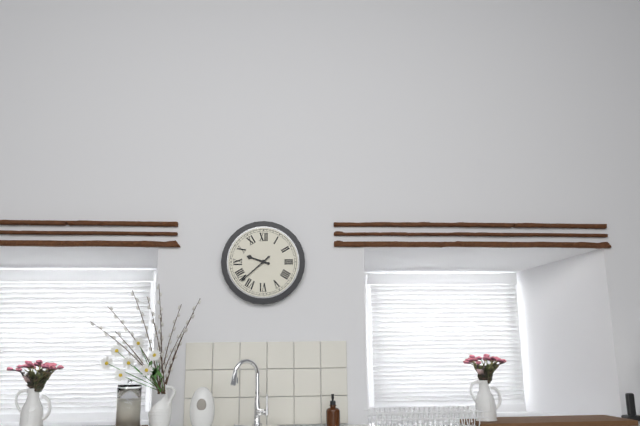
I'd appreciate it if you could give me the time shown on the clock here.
9:38
